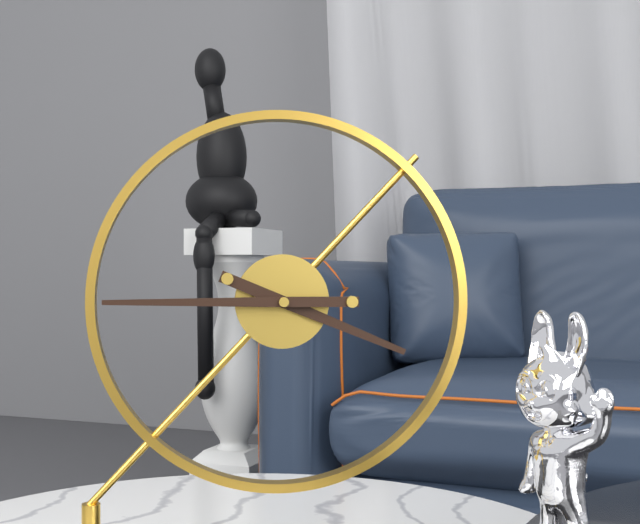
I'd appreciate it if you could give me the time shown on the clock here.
3:45
